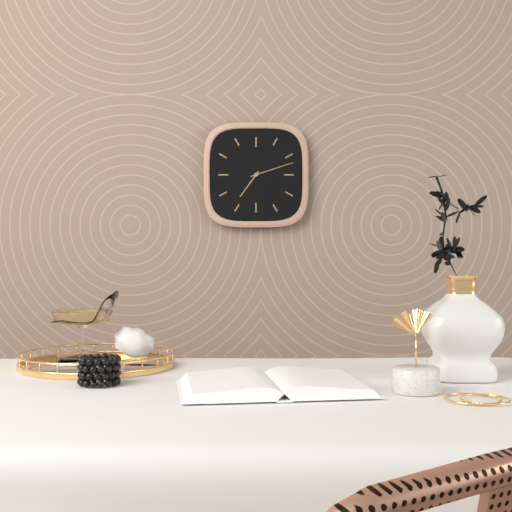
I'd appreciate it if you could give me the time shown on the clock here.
7:12
